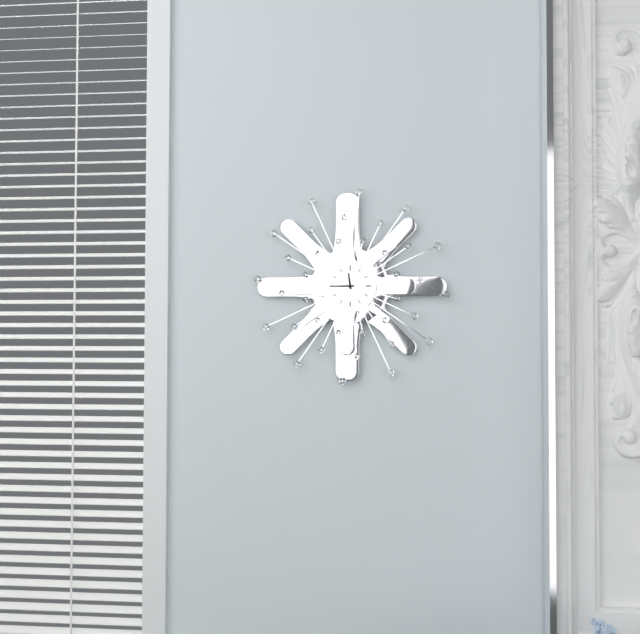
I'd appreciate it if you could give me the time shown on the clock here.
11:45
